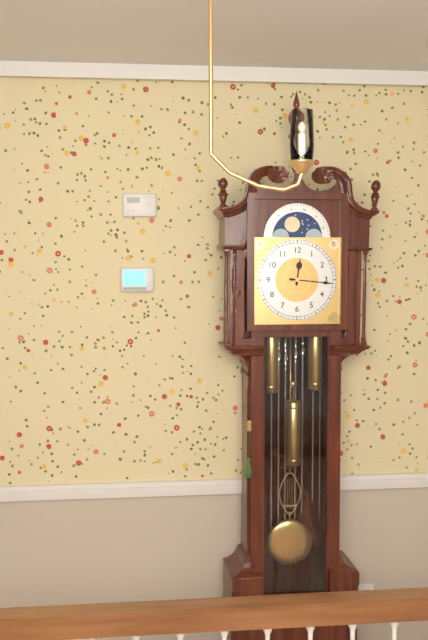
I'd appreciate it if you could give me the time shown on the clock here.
12:16
